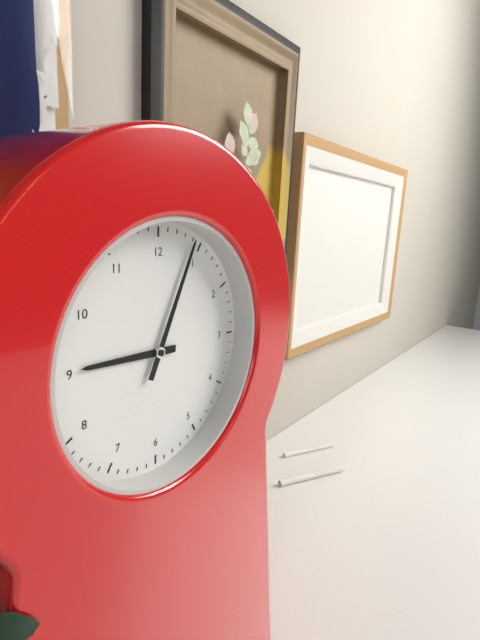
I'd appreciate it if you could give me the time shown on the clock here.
9:04
